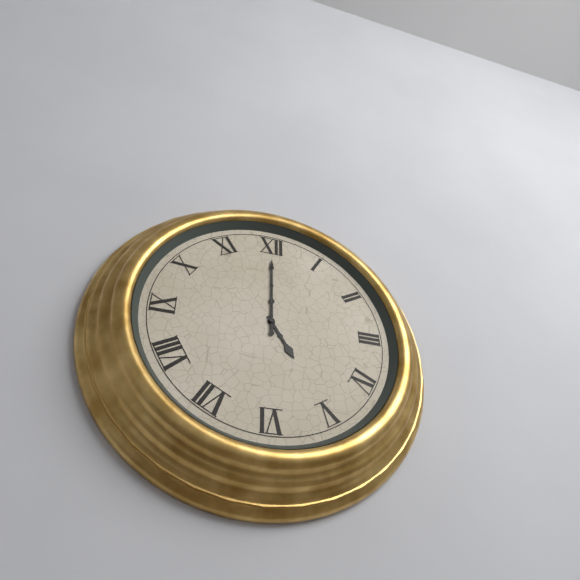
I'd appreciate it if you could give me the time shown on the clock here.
5:00
